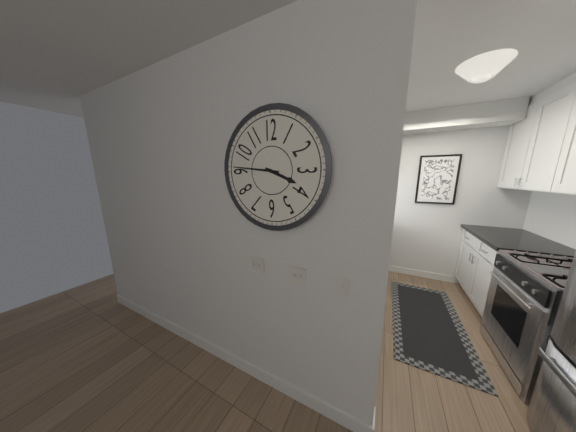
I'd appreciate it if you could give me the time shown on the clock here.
3:46
